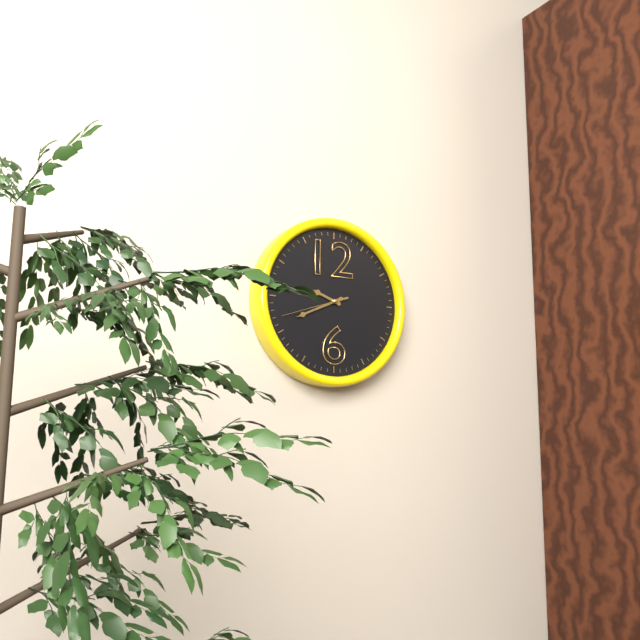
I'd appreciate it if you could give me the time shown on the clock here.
9:41:42
